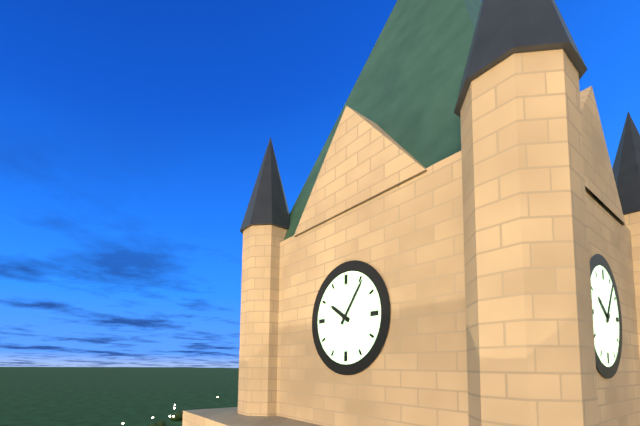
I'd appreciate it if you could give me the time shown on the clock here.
10:06
